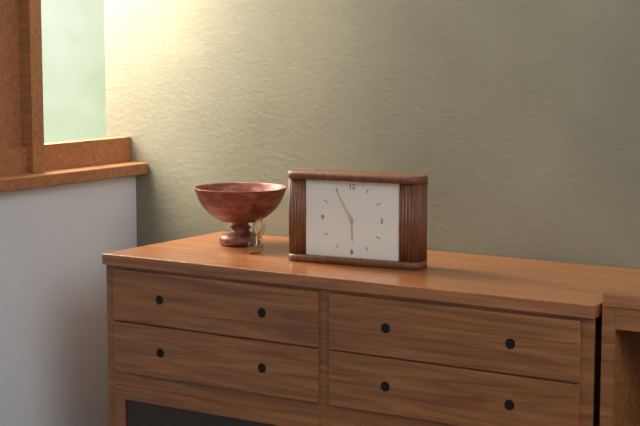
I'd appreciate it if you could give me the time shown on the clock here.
5:55
